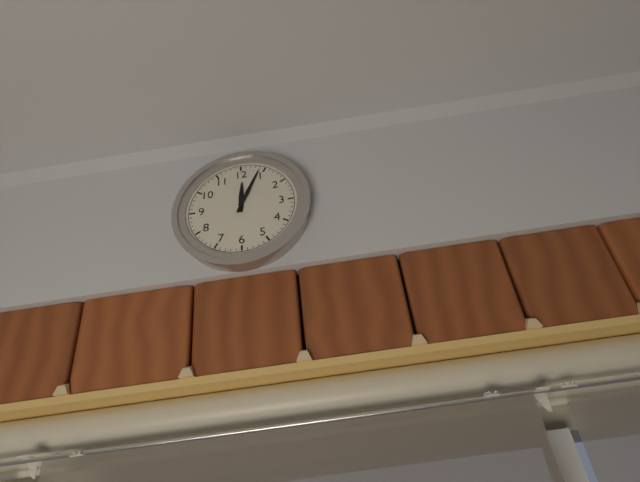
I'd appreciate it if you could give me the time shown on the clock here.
12:04
